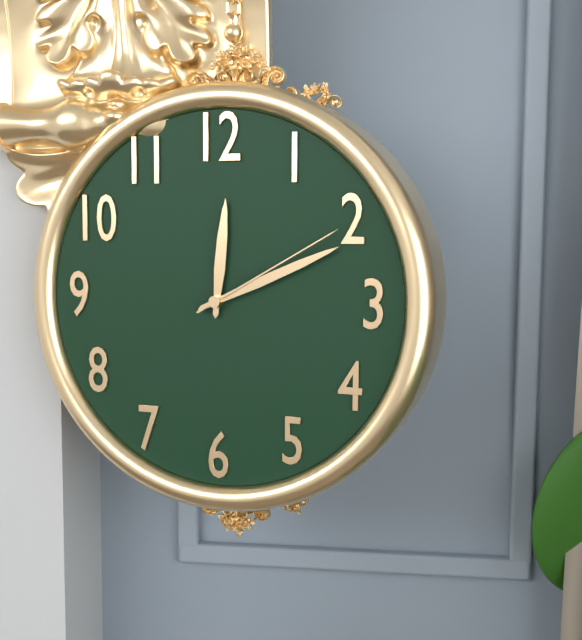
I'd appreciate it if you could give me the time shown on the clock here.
12:11:10
